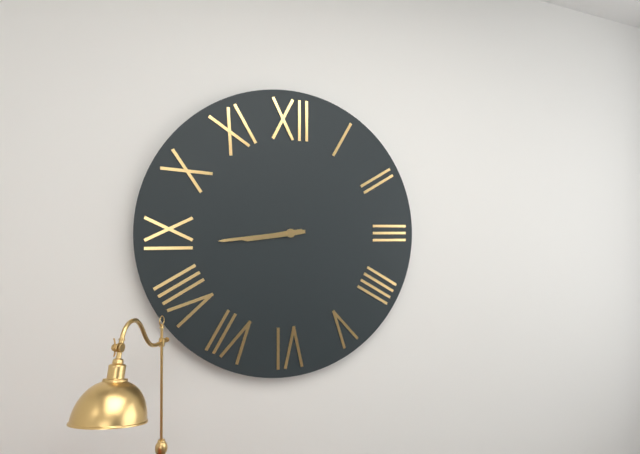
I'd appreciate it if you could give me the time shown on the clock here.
8:44
